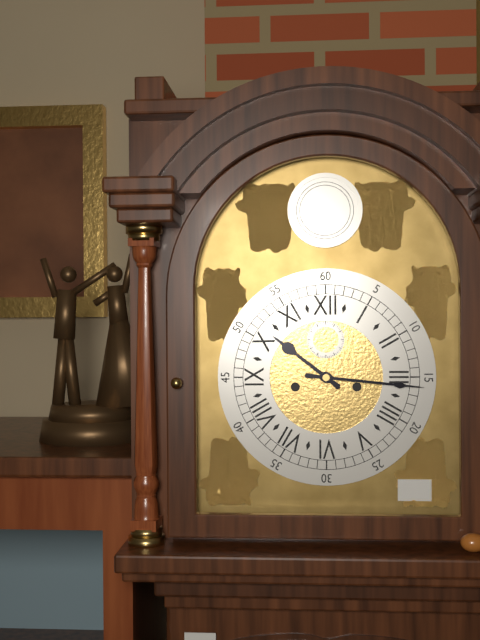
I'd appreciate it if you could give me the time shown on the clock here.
10:16
